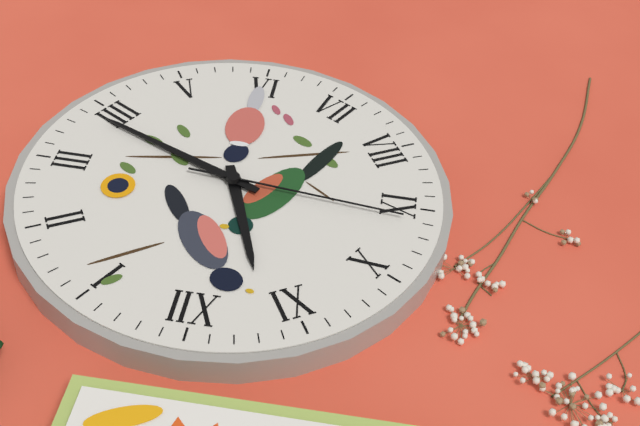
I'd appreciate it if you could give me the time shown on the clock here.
11:19:46
